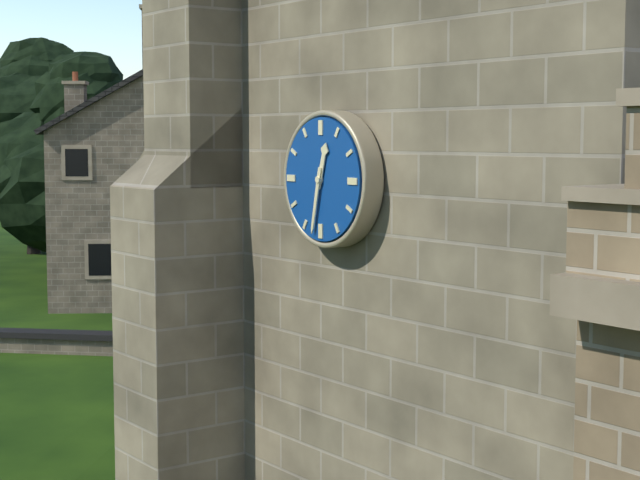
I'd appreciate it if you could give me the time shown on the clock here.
12:32
